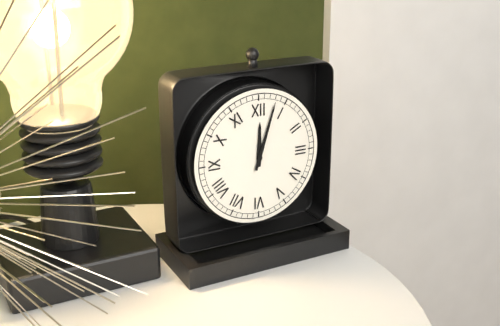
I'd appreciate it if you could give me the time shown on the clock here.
12:03
